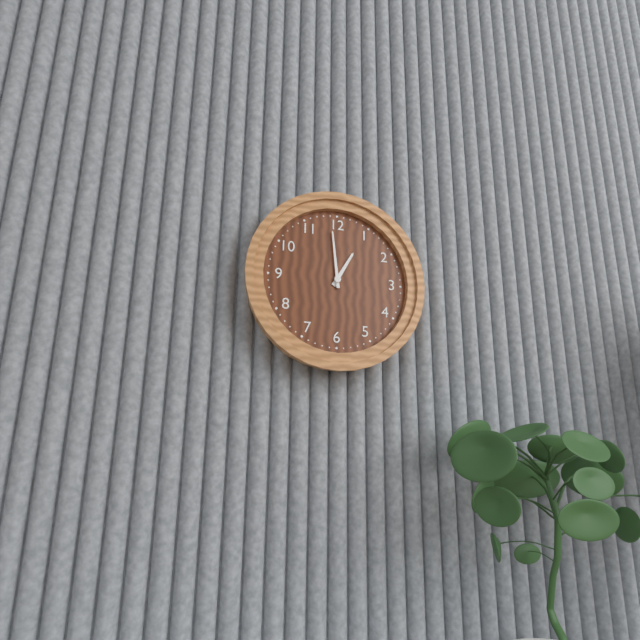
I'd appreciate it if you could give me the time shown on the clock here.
12:59
